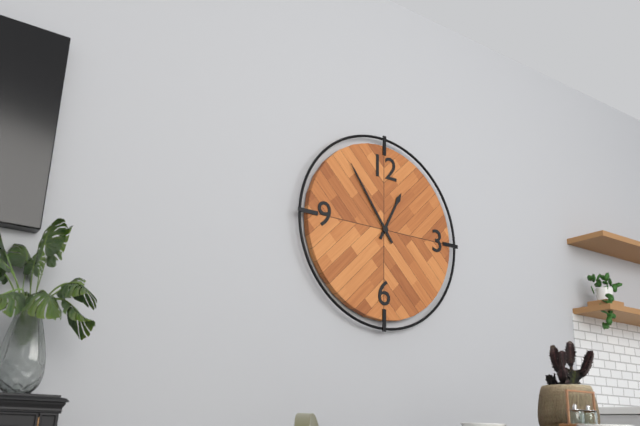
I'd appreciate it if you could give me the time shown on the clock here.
12:54
